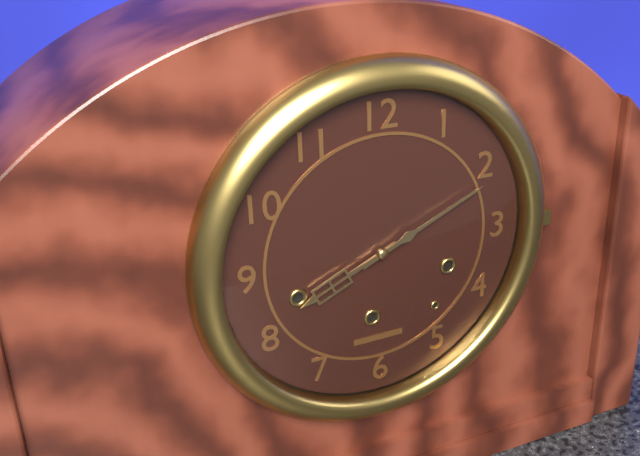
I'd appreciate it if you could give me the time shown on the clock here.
8:11
